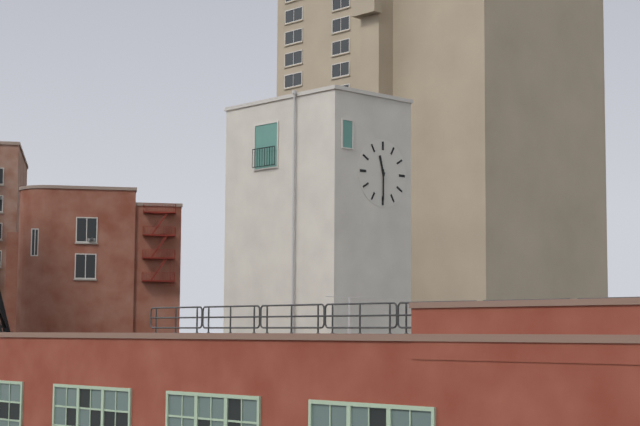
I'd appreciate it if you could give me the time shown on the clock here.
11:30
